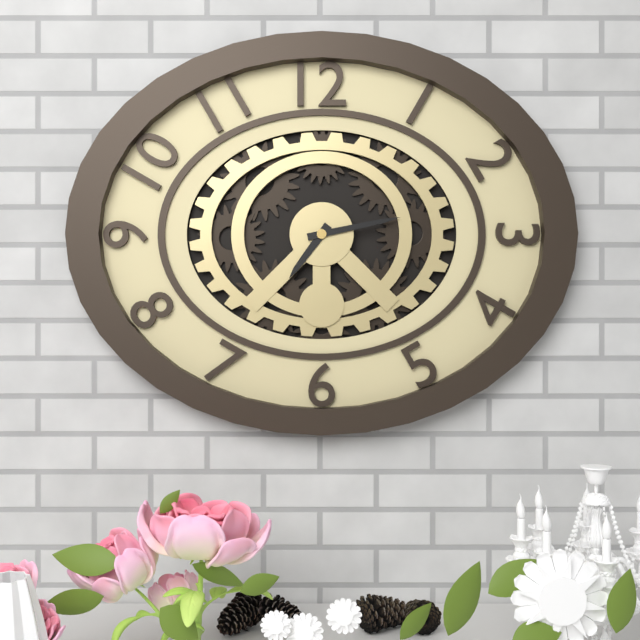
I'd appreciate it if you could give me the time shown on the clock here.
7:13
